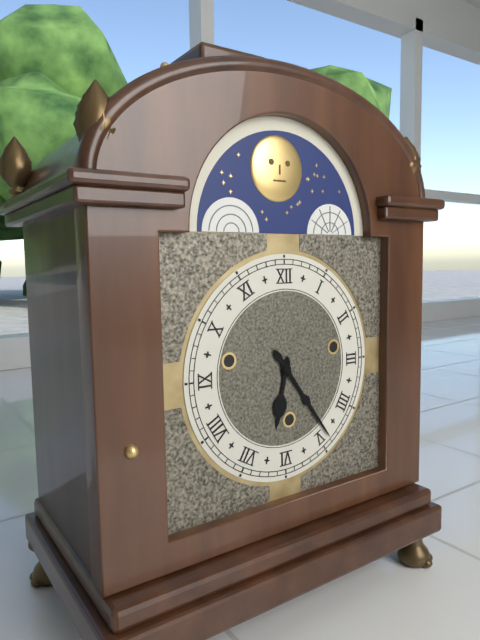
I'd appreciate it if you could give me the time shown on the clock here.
6:24
